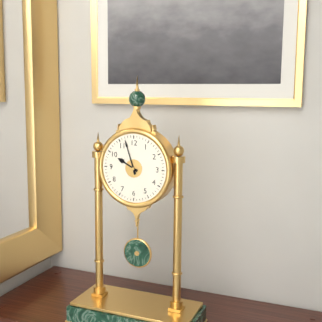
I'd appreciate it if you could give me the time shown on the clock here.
9:57
